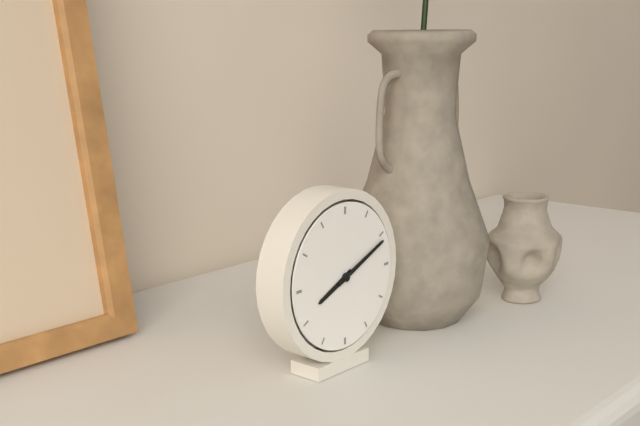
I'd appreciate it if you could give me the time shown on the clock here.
8:11
